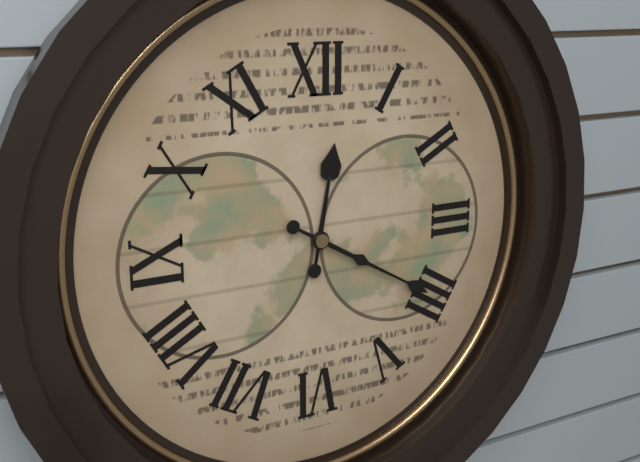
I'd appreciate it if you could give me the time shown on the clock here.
12:20
